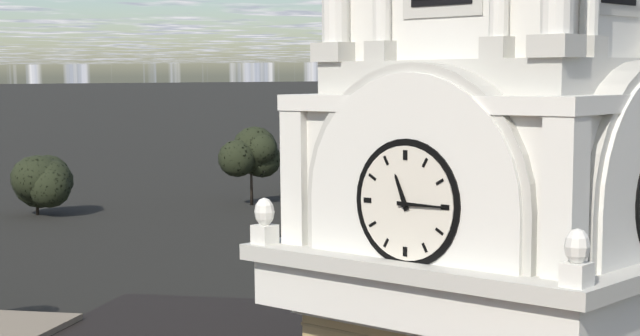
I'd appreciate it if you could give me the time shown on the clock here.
11:15
